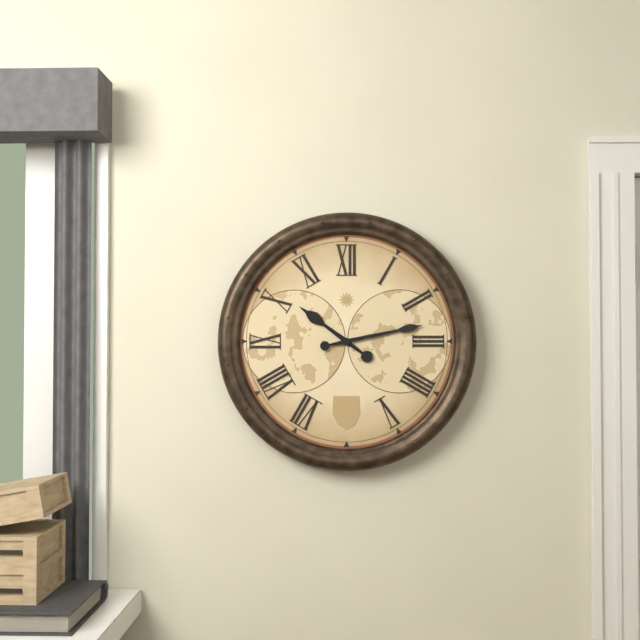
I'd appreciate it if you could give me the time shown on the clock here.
10:13
